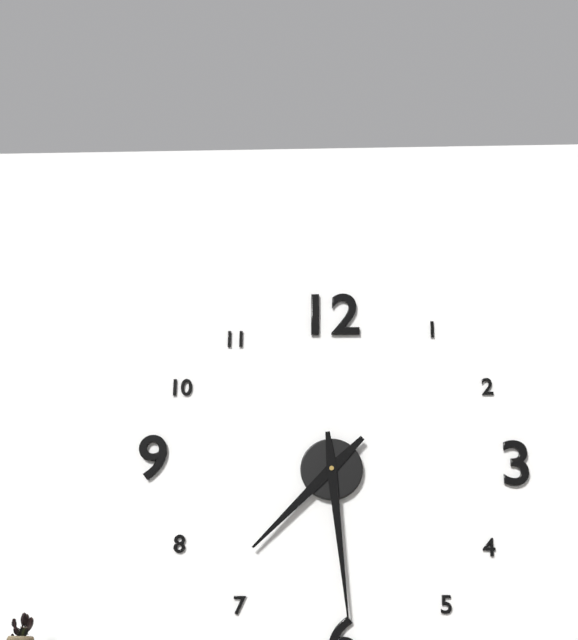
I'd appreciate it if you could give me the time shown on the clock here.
7:29
